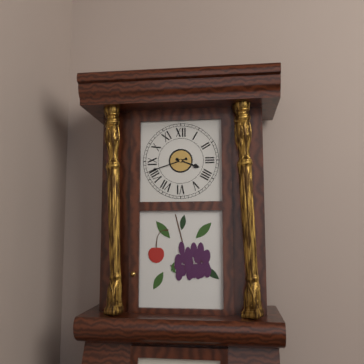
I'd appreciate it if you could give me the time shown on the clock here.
3:42
